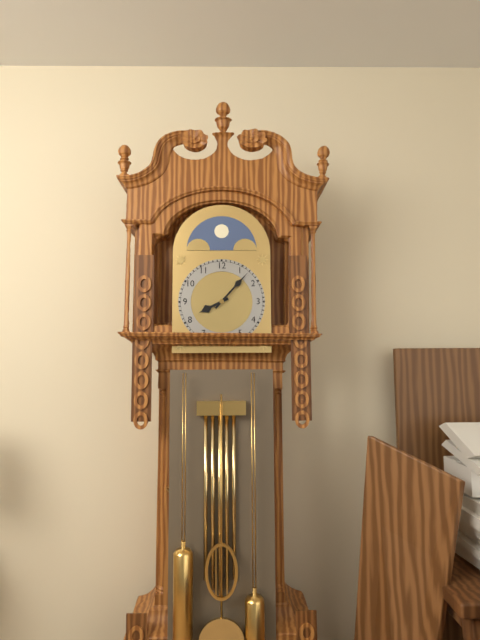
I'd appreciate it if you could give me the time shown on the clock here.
8:07
